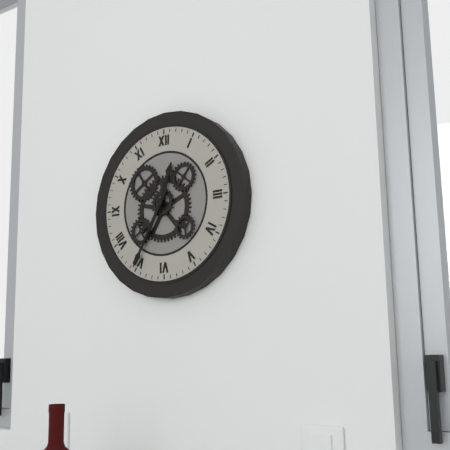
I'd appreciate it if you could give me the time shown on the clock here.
12:35
